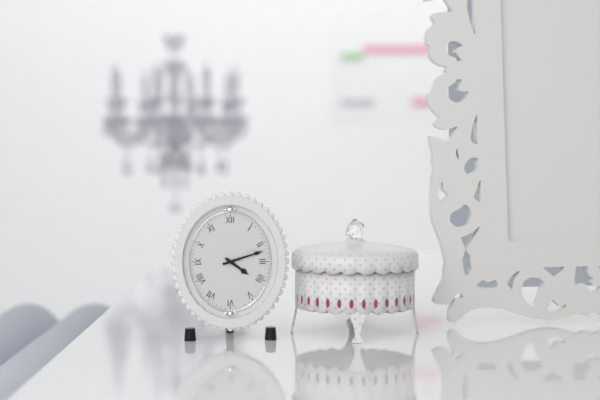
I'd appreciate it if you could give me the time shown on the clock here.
4:12
